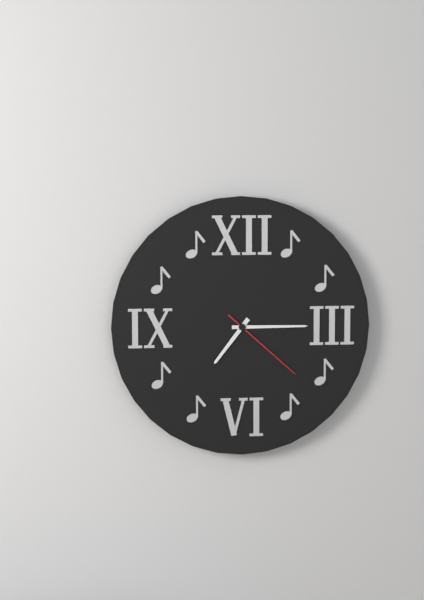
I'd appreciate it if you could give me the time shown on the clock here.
7:15:22
